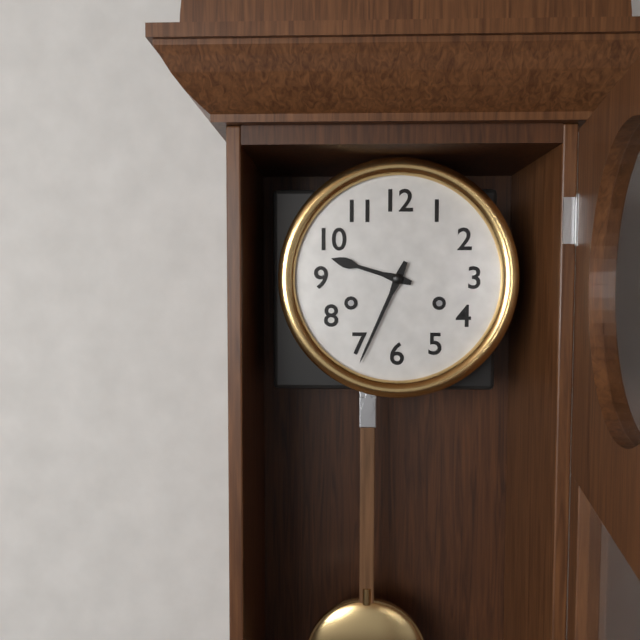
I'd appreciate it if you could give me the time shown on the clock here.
9:34
